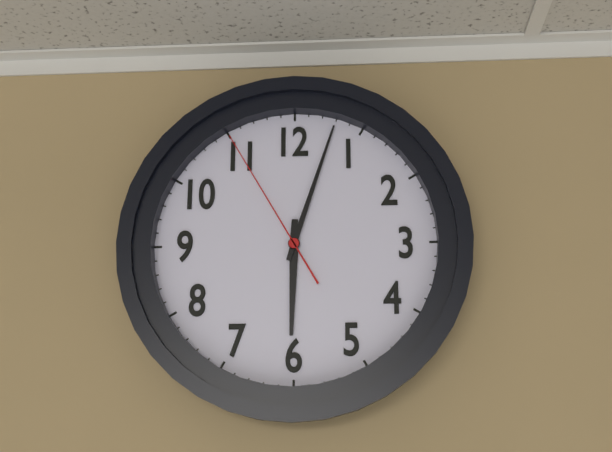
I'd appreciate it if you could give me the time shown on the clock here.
6:03:55
